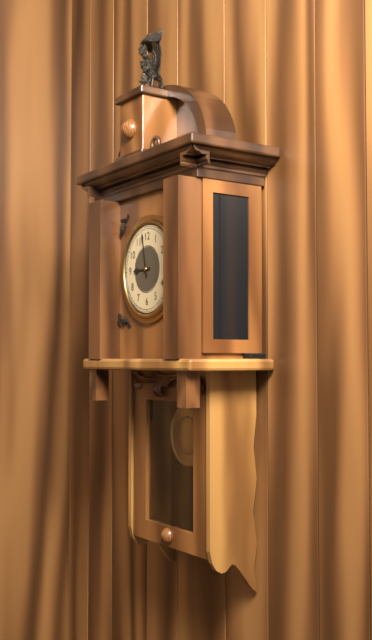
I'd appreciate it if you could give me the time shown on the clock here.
8:58
